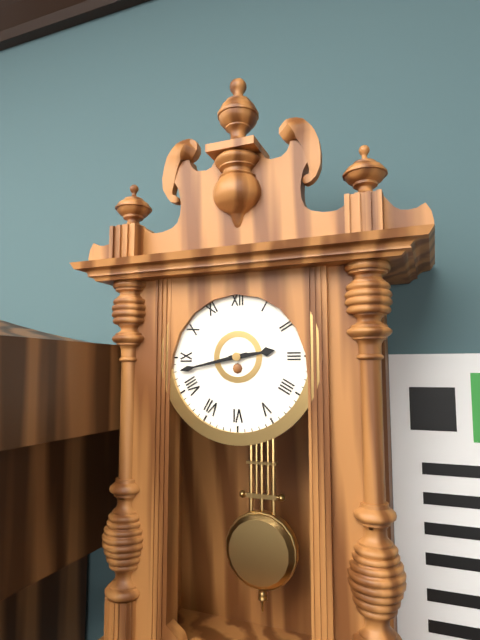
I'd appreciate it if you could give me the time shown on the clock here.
2:43
